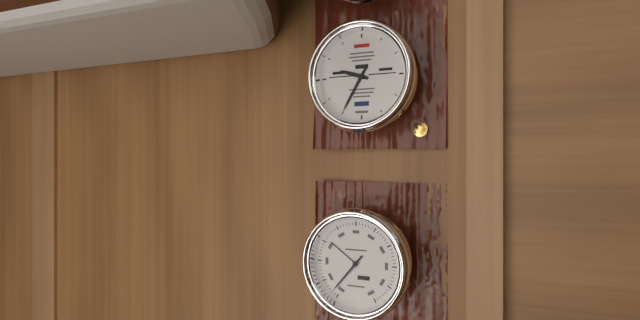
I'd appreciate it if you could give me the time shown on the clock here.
9:35
